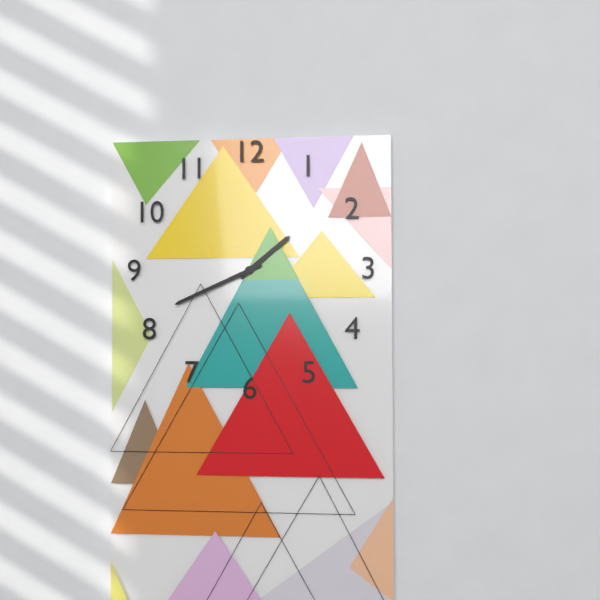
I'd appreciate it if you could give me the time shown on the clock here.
1:41
